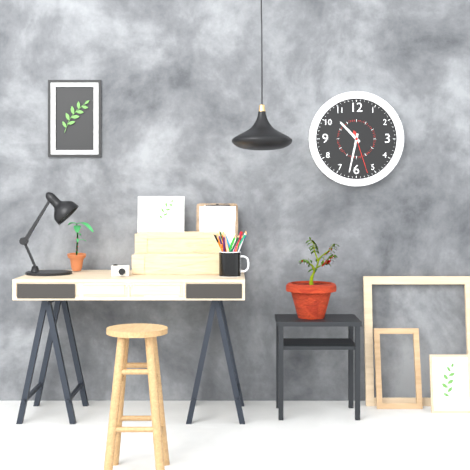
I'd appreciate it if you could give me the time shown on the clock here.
10:32
